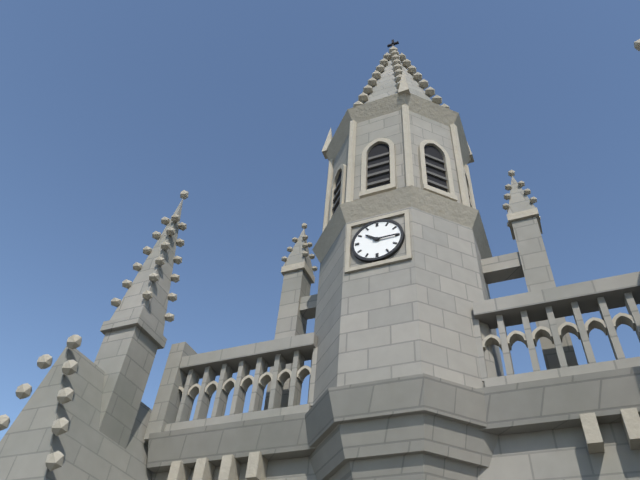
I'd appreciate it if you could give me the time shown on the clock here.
10:15
